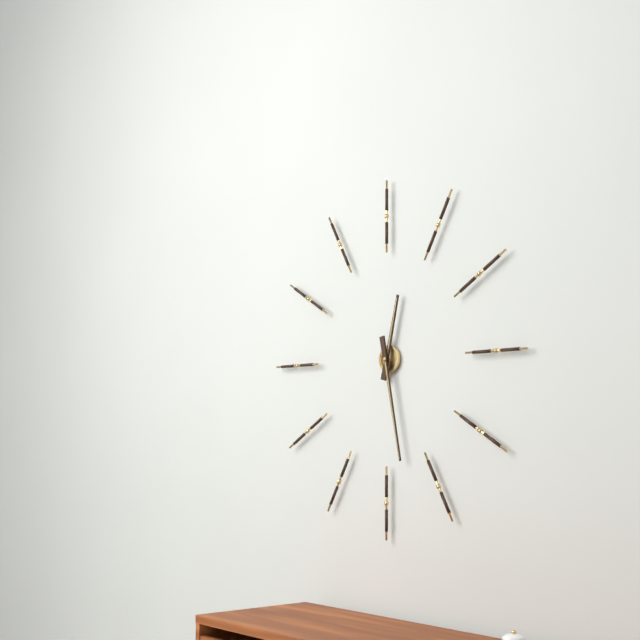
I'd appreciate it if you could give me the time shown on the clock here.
12:28
